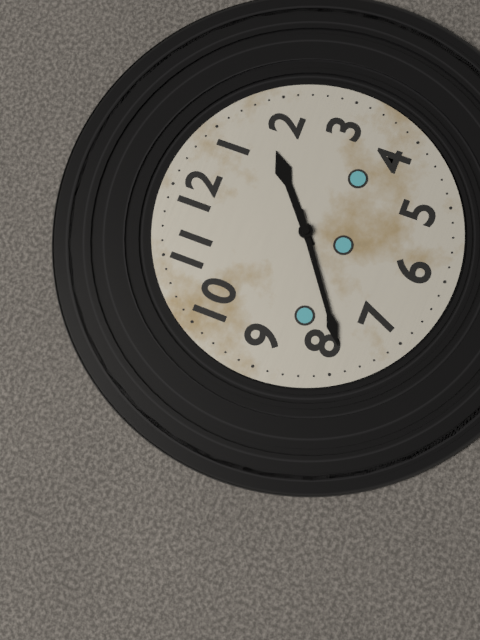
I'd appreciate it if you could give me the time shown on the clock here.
1:39
